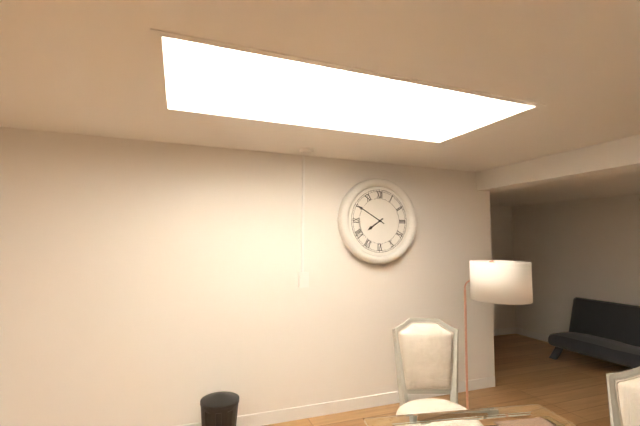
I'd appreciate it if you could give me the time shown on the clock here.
7:50
